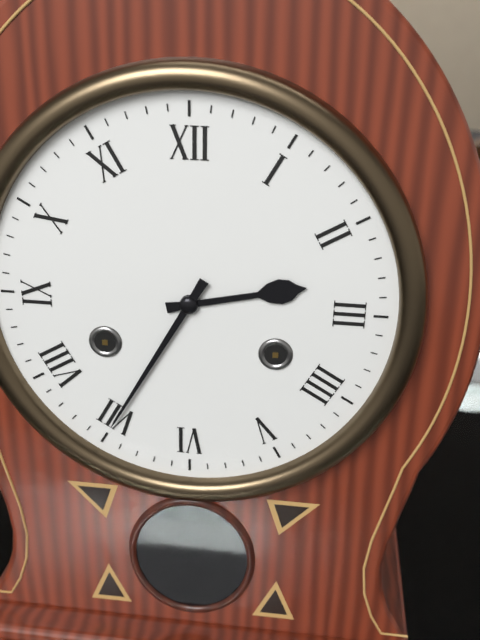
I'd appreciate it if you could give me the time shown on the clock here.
2:35
